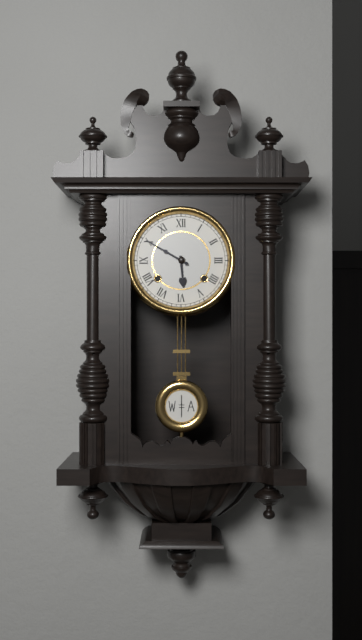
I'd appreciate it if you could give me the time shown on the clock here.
5:50
